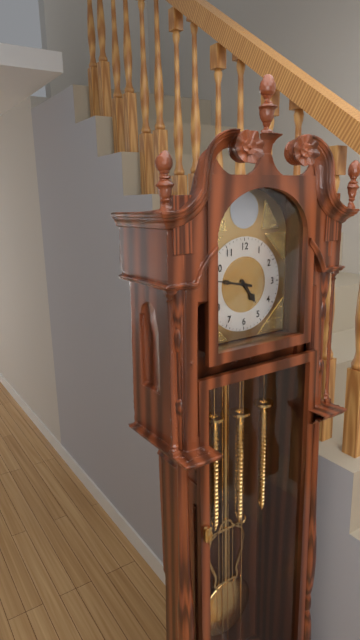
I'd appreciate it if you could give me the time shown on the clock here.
4:47
